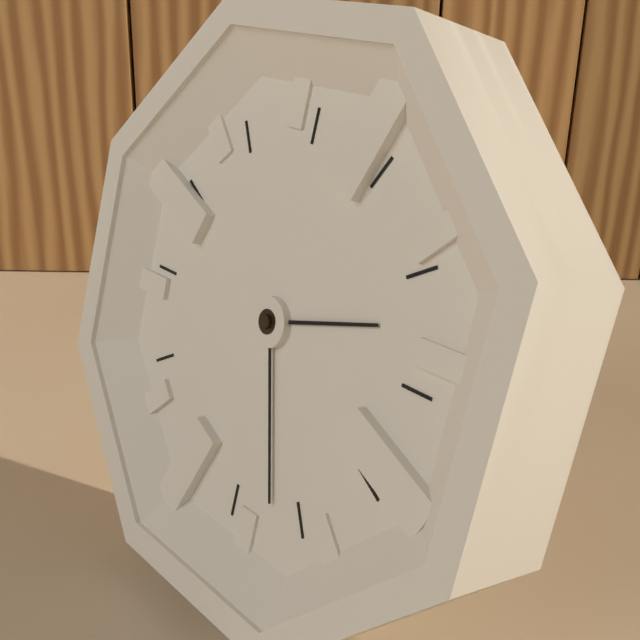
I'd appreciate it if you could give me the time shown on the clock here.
2:27
